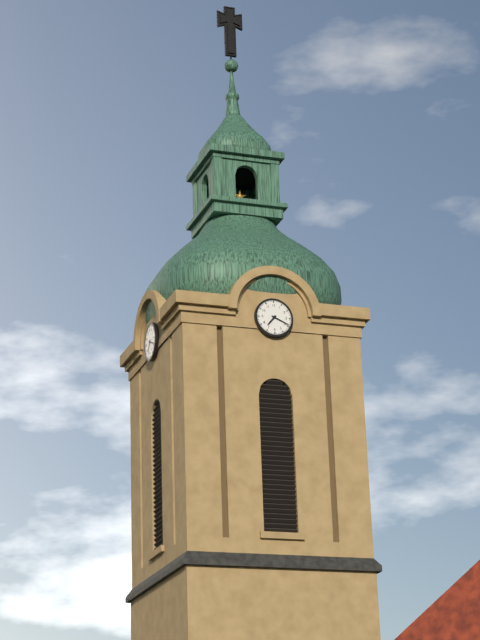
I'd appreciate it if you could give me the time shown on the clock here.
7:19
